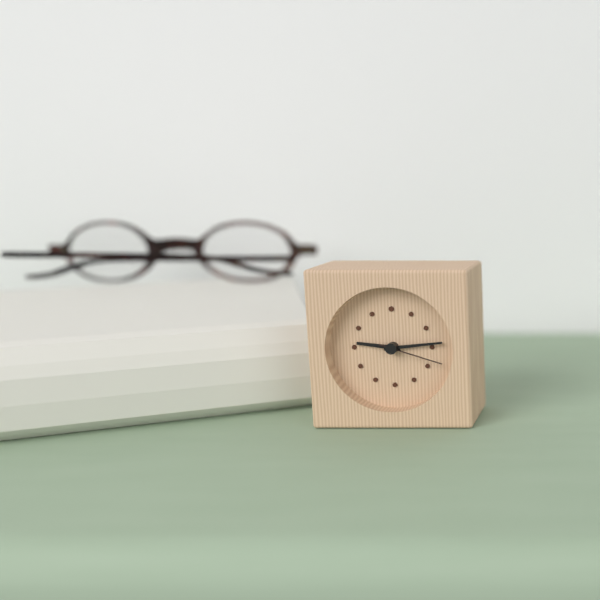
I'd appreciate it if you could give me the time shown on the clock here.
9:14:18
